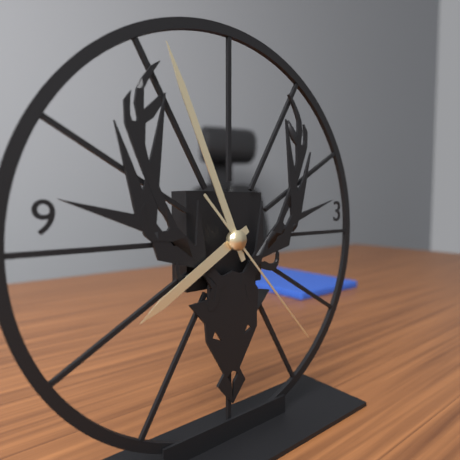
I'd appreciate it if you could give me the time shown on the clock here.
7:56:23
